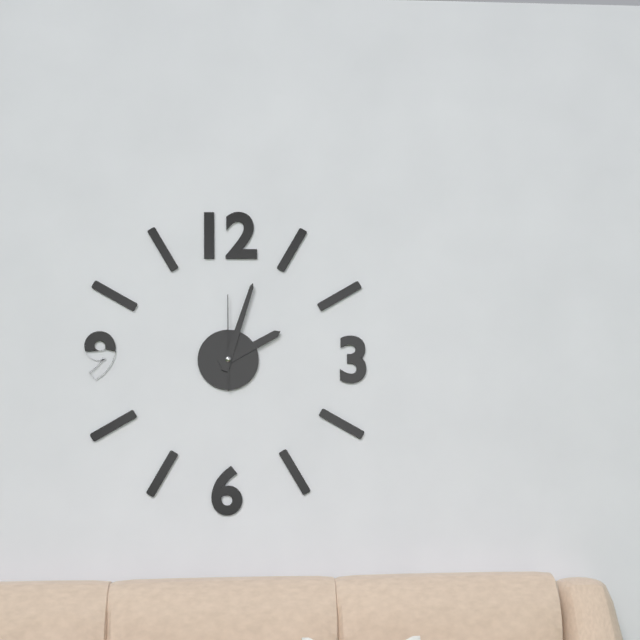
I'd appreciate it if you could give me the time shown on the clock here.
2:03:00
